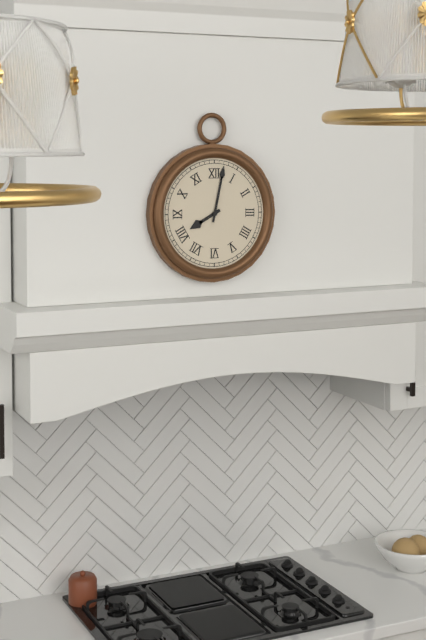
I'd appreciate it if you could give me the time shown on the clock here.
8:02
